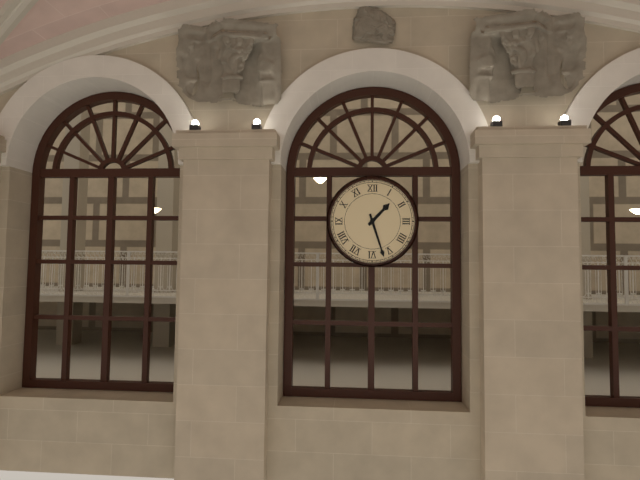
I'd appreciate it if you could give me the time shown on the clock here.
1:27
